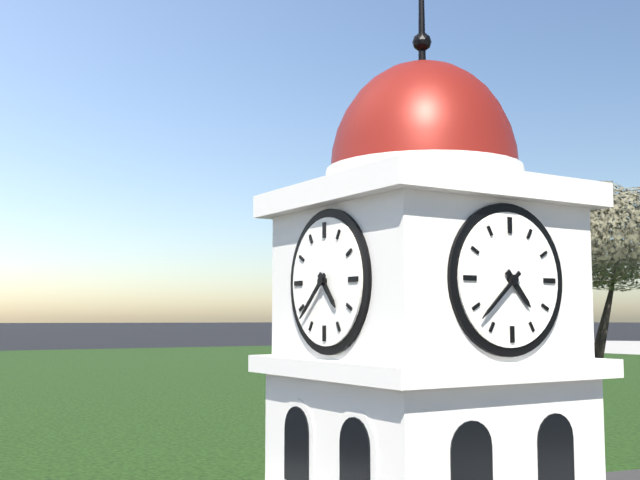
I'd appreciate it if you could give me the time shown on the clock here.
4:38
